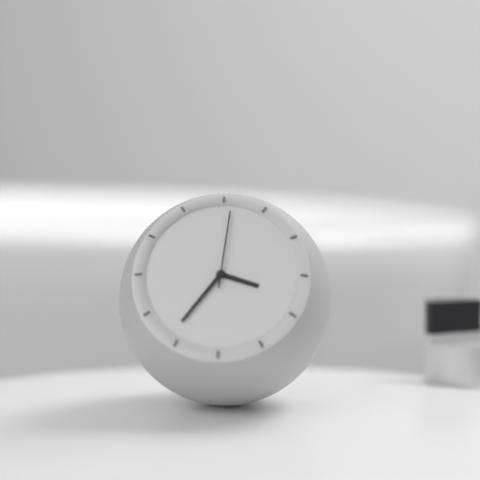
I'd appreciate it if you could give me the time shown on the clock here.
3:36:01
